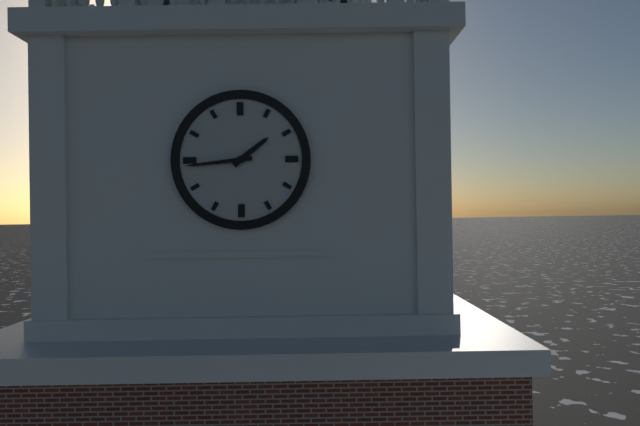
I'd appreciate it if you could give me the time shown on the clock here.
1:44
